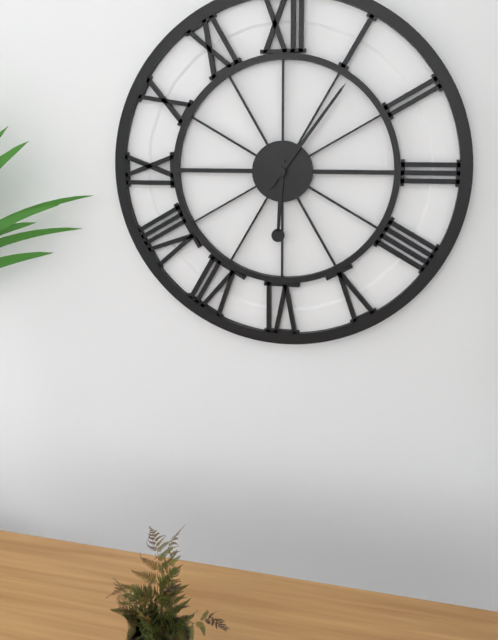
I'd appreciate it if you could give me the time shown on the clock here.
6:06
